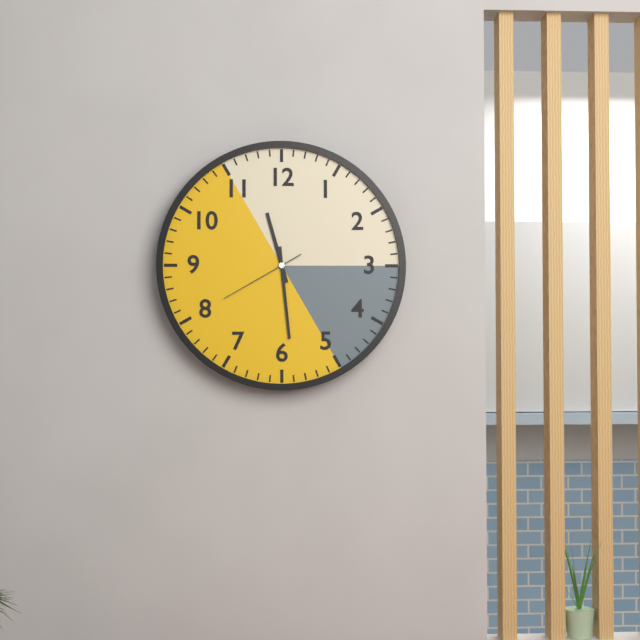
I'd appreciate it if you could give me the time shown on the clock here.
11:29:40
